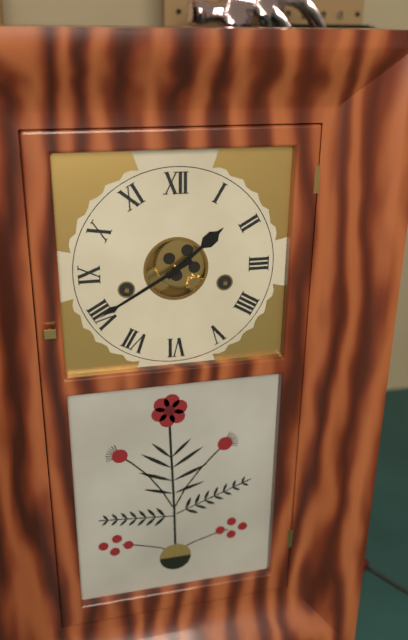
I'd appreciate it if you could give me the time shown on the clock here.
1:40
